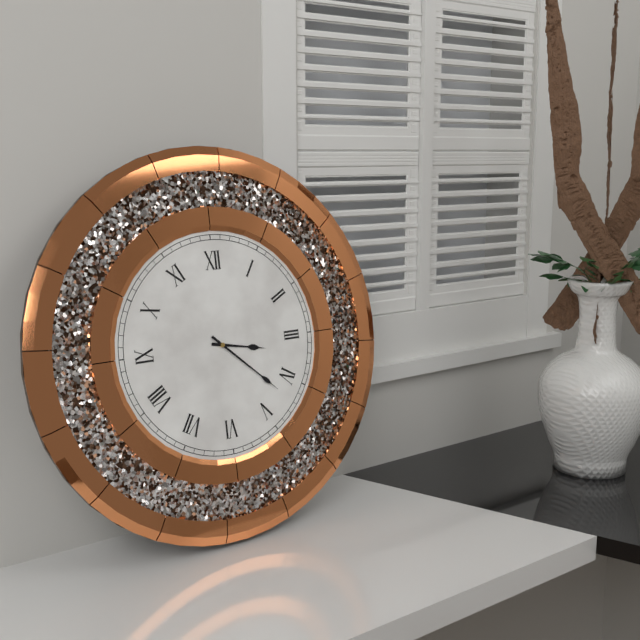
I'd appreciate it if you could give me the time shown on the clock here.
3:22
